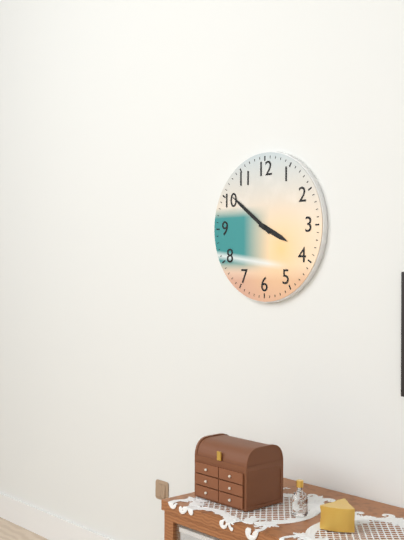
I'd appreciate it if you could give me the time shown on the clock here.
3:51
